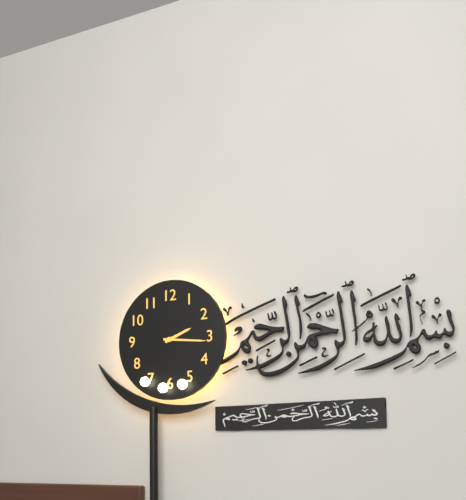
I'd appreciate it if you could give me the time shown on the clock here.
2:16
